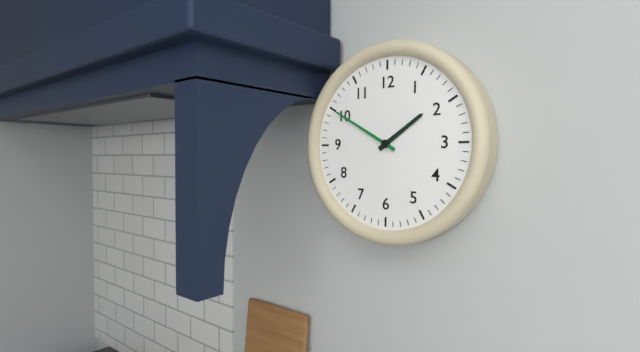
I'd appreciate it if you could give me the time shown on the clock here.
1:50
